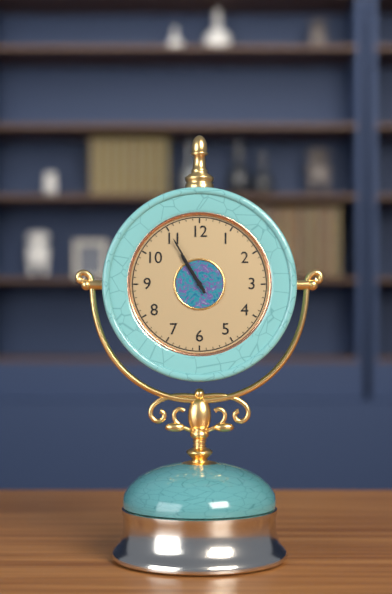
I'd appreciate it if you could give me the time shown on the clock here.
10:55
